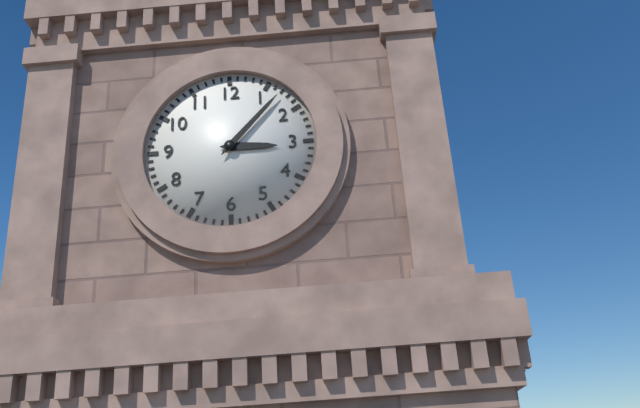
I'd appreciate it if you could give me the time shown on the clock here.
3:07
